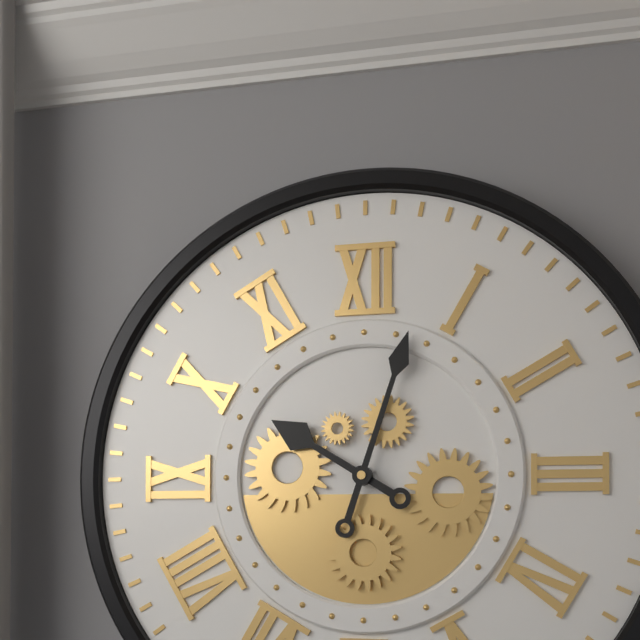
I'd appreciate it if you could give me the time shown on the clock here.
10:03
